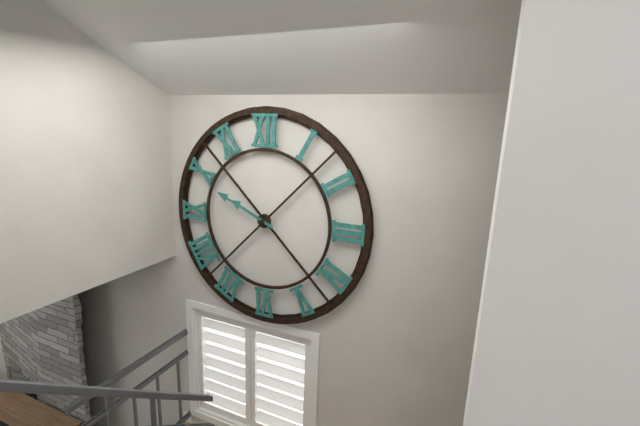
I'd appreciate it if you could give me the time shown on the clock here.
9:49
